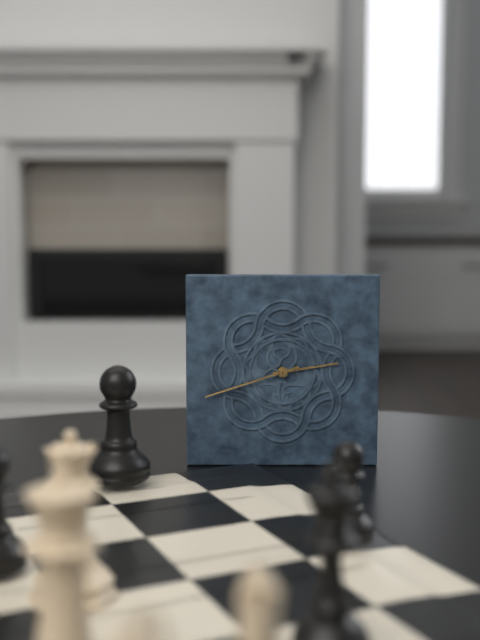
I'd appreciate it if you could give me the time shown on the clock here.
2:42
